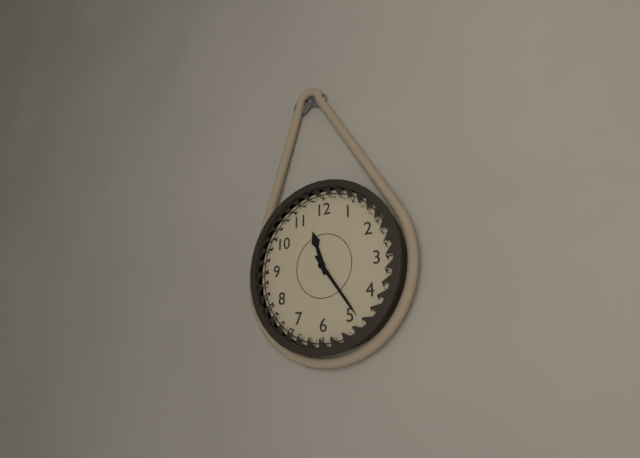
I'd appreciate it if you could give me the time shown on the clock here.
11:24
